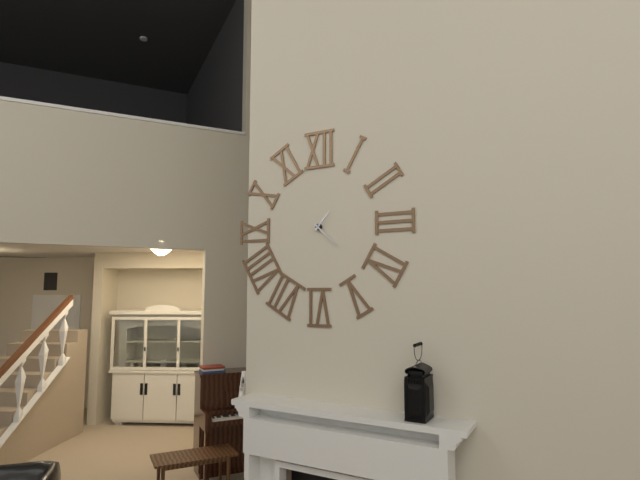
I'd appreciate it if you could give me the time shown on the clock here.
1:22
